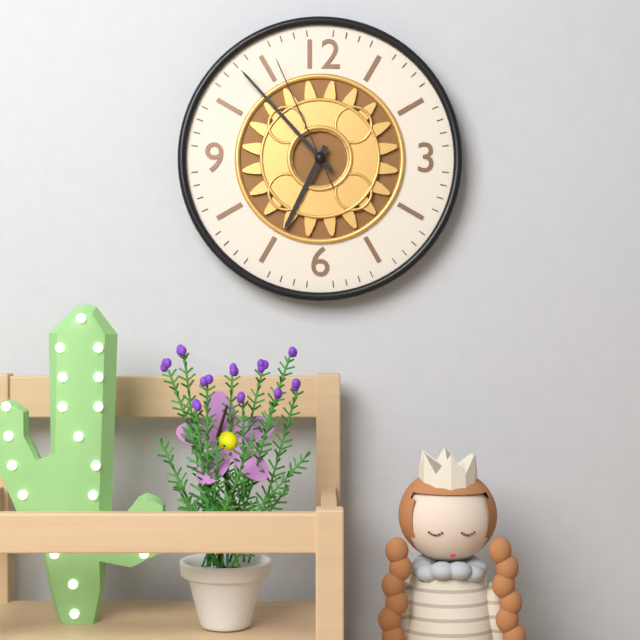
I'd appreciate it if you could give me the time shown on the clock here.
6:53:56
